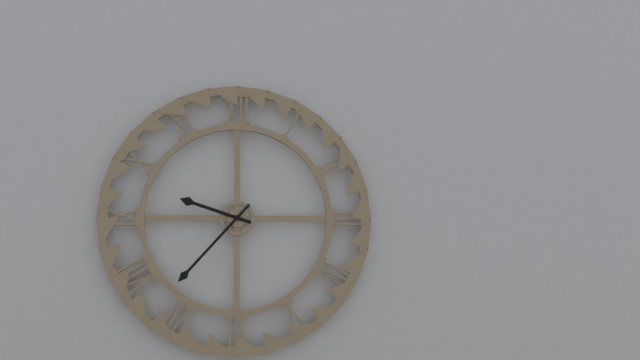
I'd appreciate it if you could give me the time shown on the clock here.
9:37
